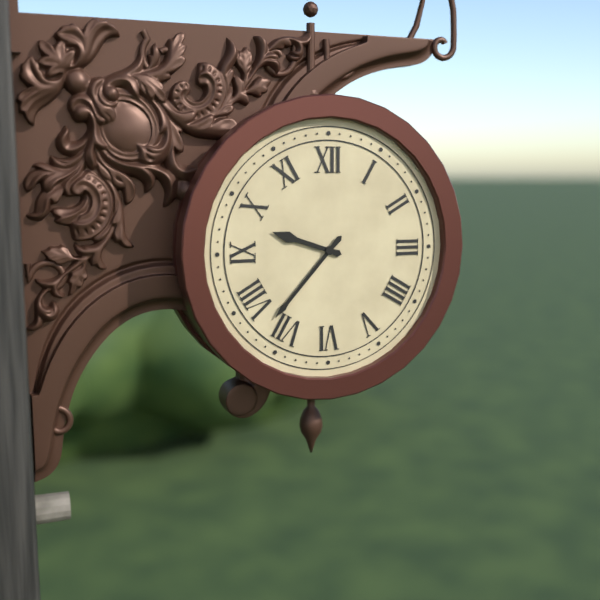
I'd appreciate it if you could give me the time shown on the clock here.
9:37
